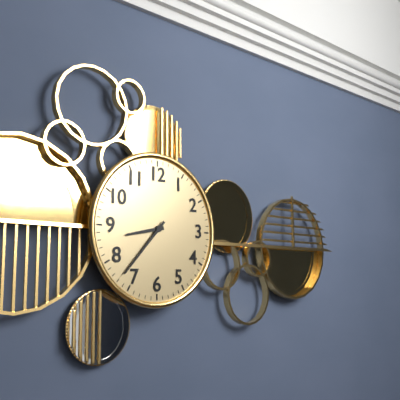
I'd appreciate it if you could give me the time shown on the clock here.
8:37
